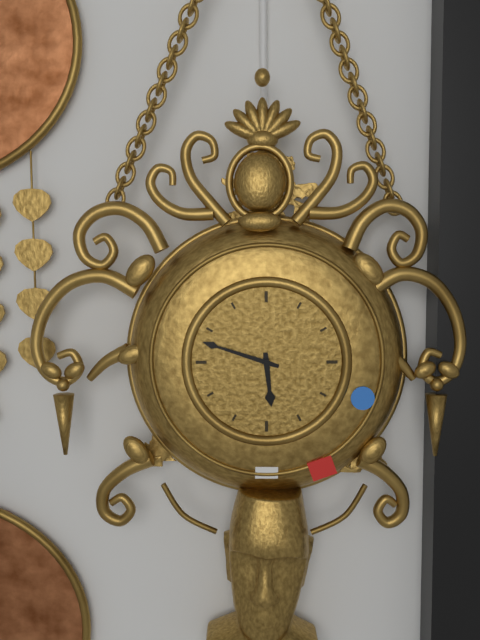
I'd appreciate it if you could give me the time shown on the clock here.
5:48
